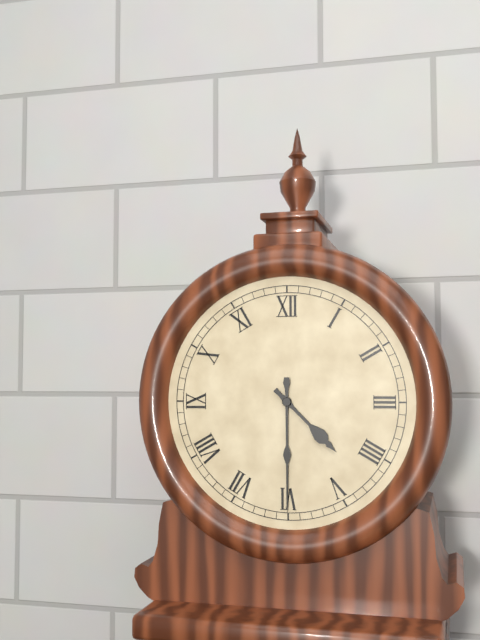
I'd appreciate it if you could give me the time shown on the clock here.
4:30
